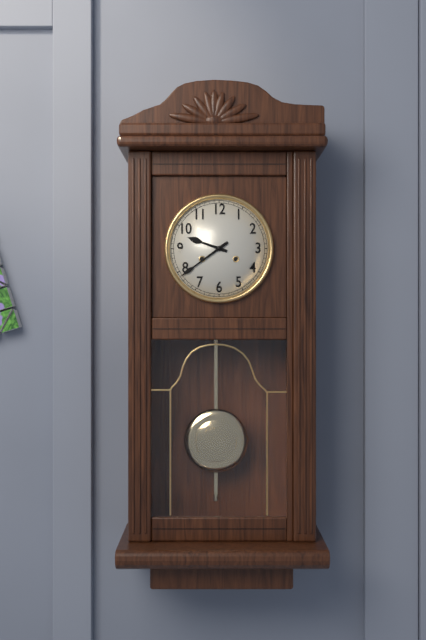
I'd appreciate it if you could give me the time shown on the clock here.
9:39
